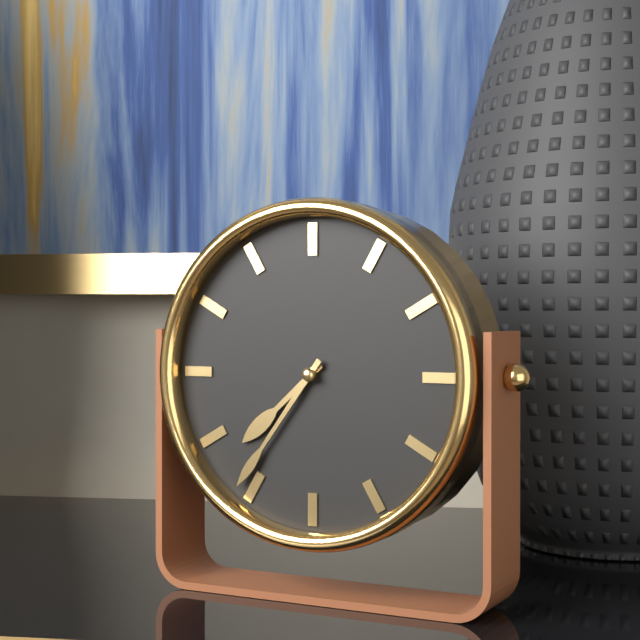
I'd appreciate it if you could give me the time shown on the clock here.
7:36
